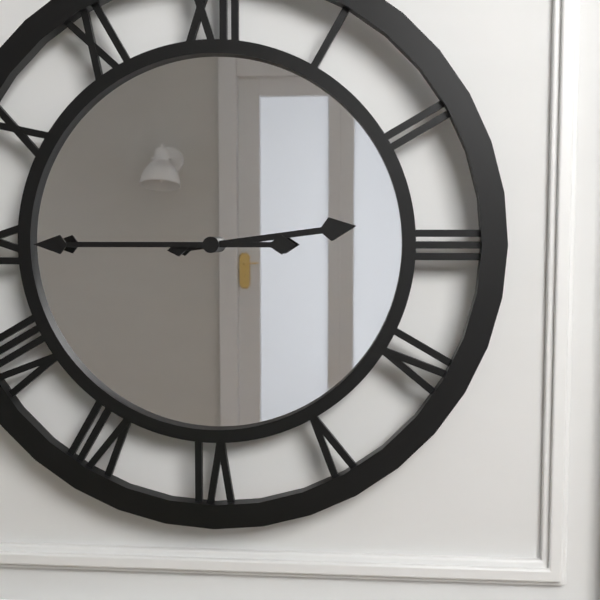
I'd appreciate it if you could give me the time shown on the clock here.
2:45
